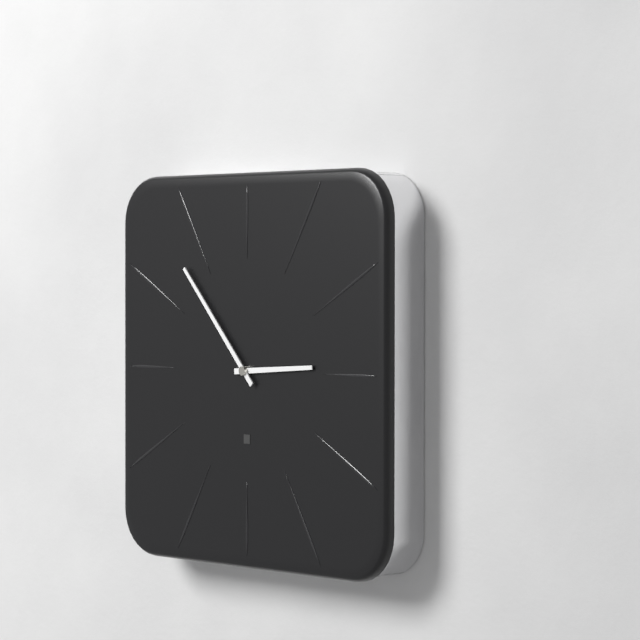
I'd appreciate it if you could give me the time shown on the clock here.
2:53
